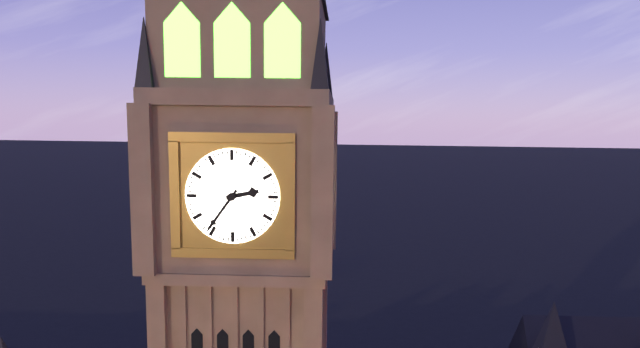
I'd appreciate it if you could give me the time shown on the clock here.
2:36
